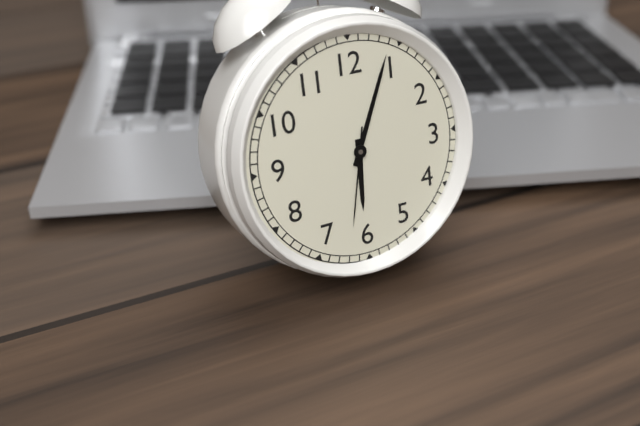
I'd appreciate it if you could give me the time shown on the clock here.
6:04:32
